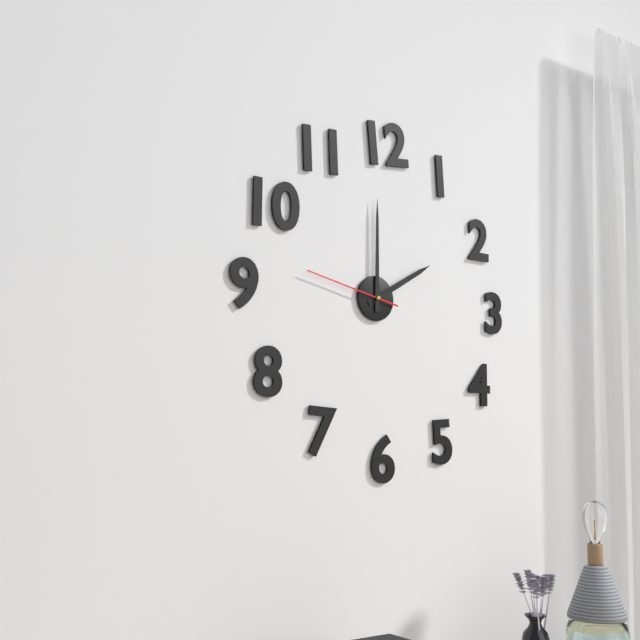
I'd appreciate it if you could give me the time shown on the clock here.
2:00:47
